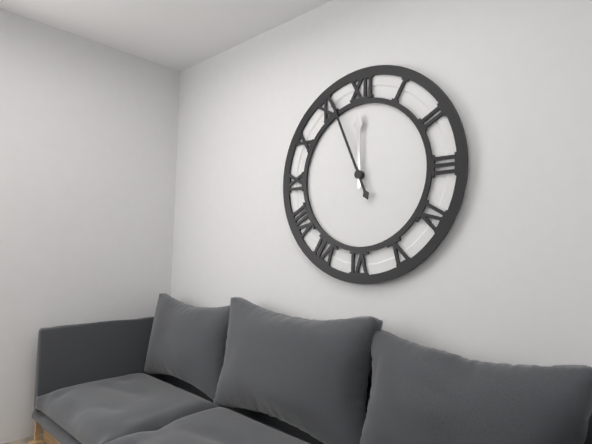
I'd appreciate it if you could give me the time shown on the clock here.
11:56
